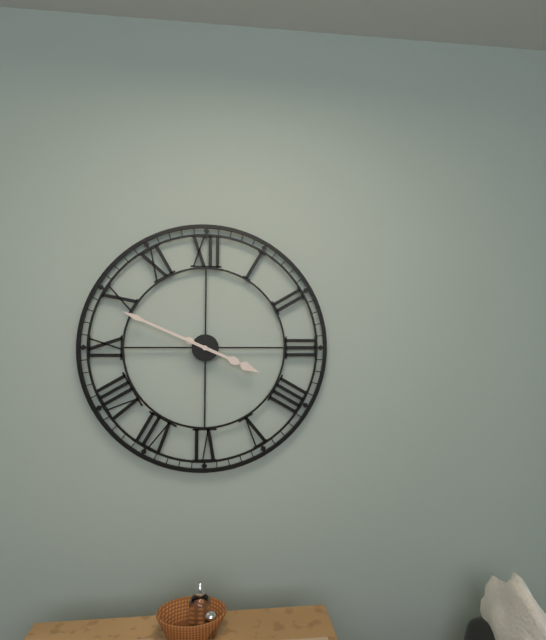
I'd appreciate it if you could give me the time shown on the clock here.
3:49
